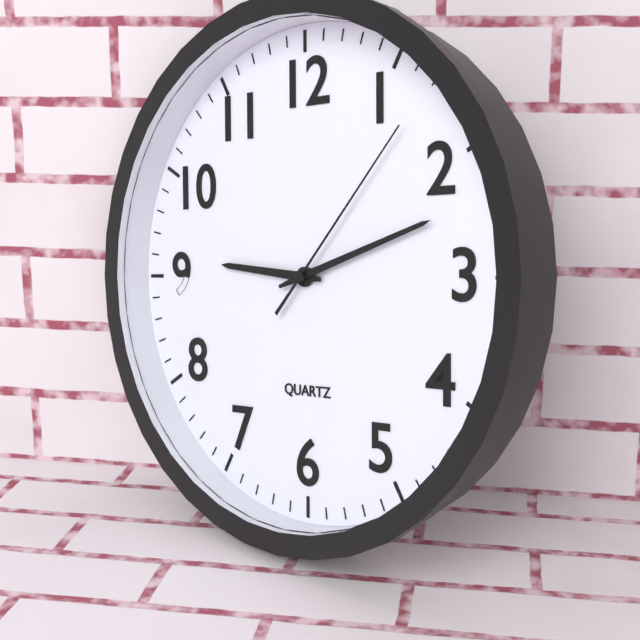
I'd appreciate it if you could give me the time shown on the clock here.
9:12:07
